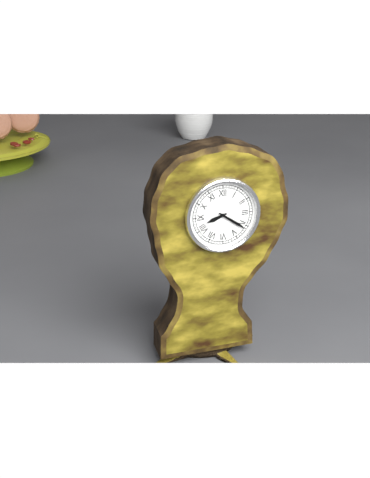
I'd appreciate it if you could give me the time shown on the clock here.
8:21
